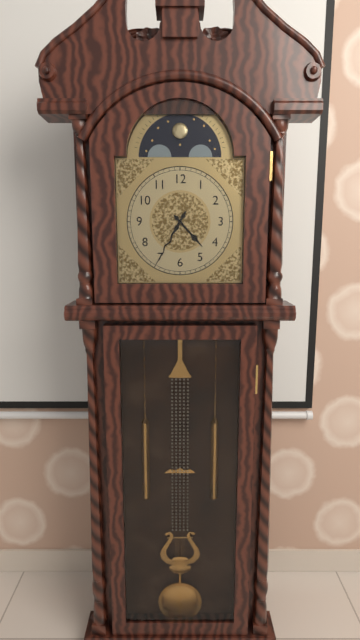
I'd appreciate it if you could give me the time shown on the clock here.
4:35
